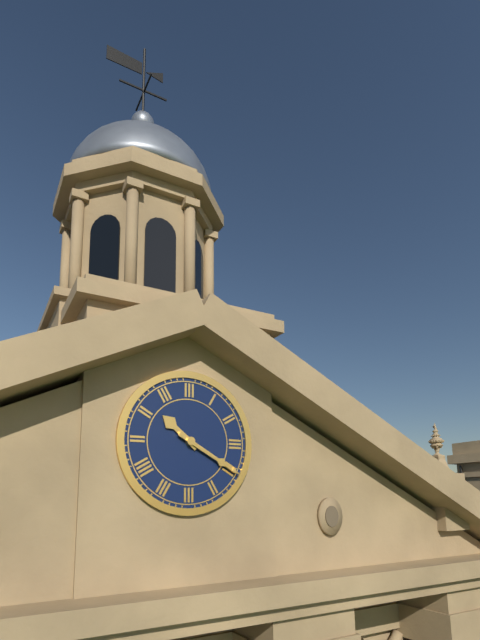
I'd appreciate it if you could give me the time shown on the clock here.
10:20
